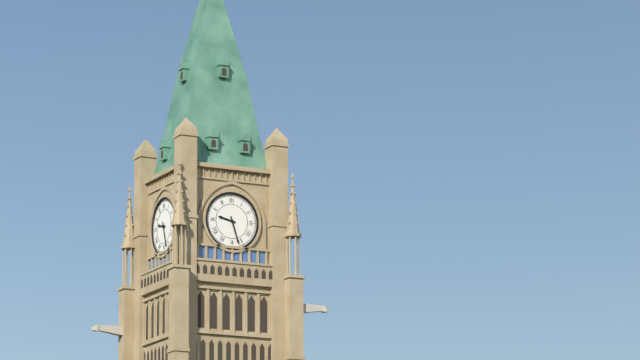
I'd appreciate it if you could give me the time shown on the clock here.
9:27
